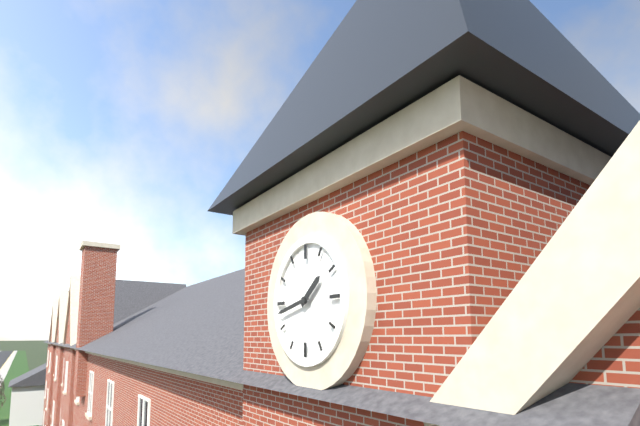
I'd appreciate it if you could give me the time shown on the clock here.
1:43
